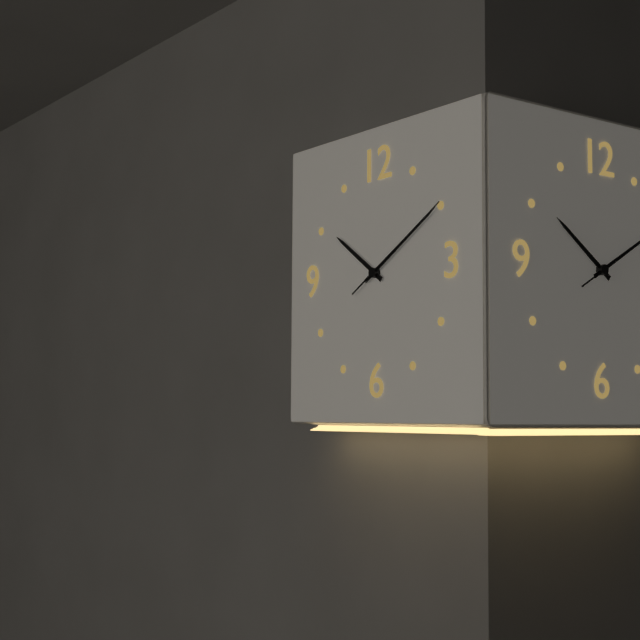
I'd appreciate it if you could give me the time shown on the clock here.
10:10:10
